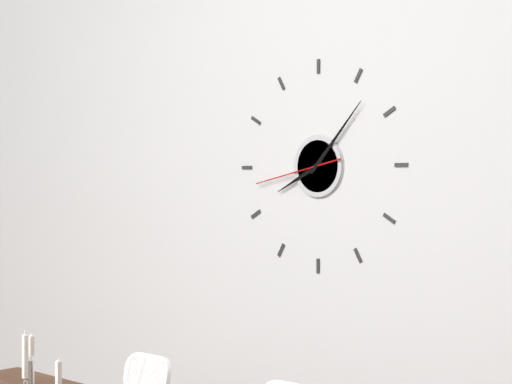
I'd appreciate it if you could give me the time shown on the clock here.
8:07:43
